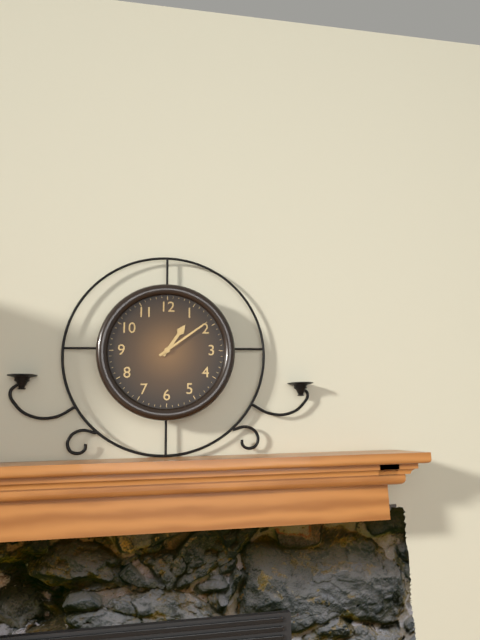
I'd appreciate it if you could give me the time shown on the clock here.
1:09
